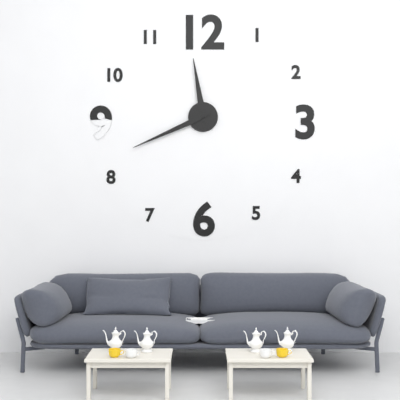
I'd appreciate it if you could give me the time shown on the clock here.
11:41
